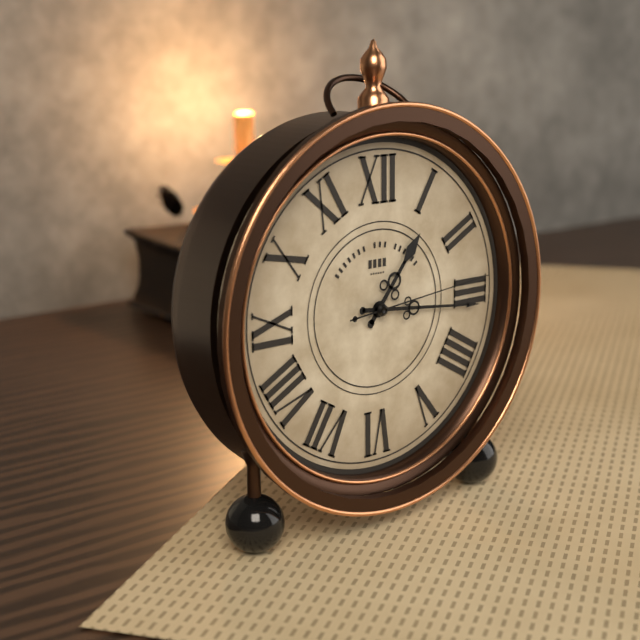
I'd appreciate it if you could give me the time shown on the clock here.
1:16:14
